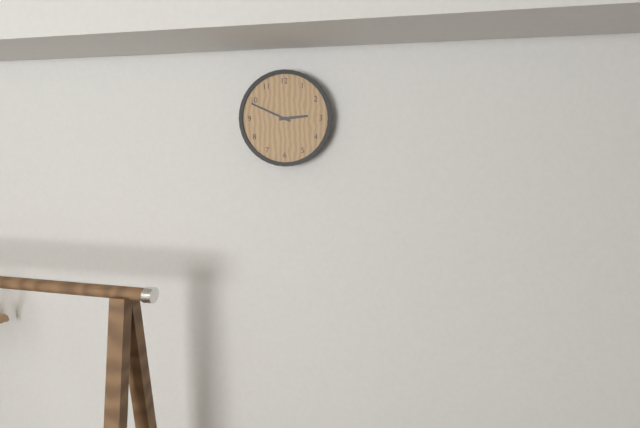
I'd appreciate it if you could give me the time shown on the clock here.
2:49
